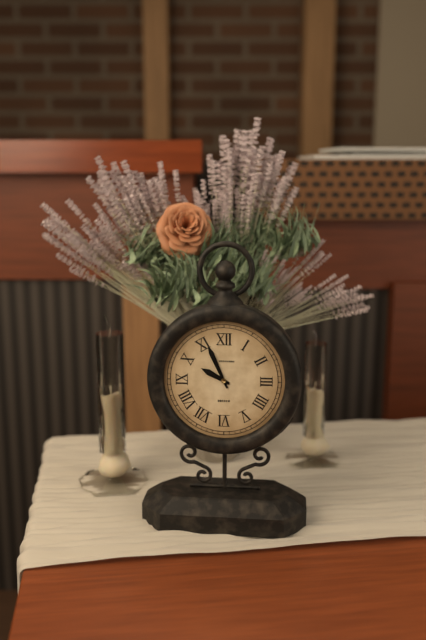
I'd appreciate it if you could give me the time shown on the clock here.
9:56
